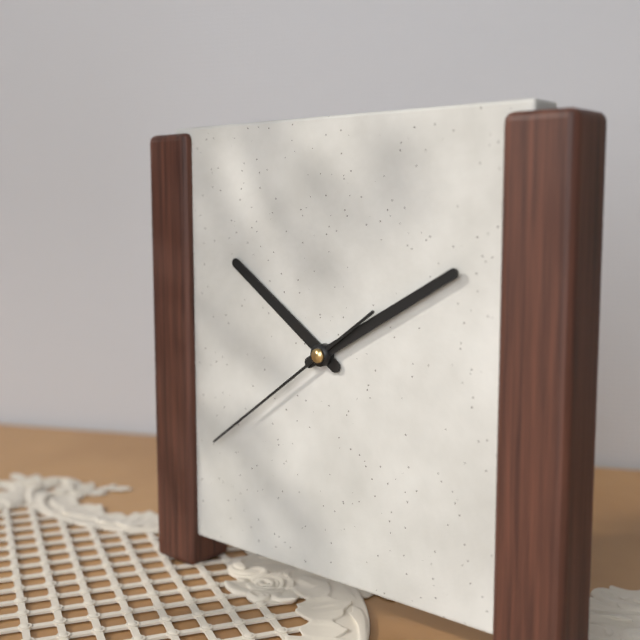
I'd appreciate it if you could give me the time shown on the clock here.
10:10:39
